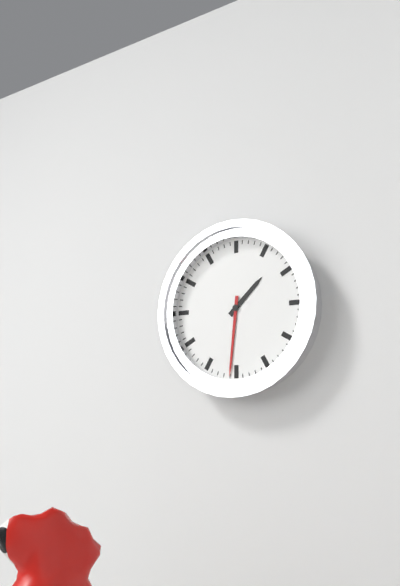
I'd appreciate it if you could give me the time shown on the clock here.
1:31
